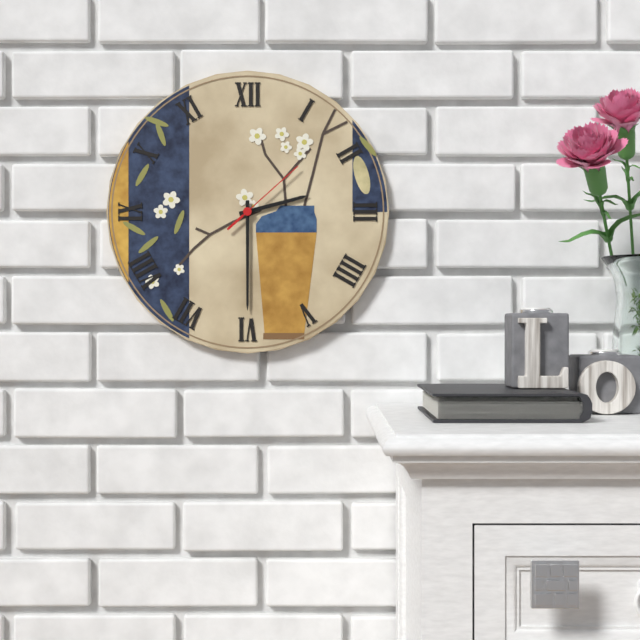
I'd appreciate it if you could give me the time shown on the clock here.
2:30:08
